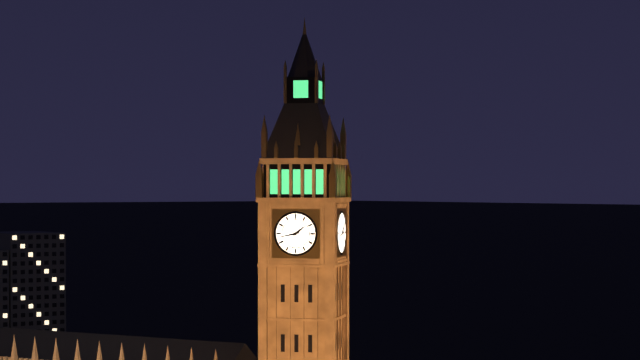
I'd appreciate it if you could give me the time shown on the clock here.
1:43
